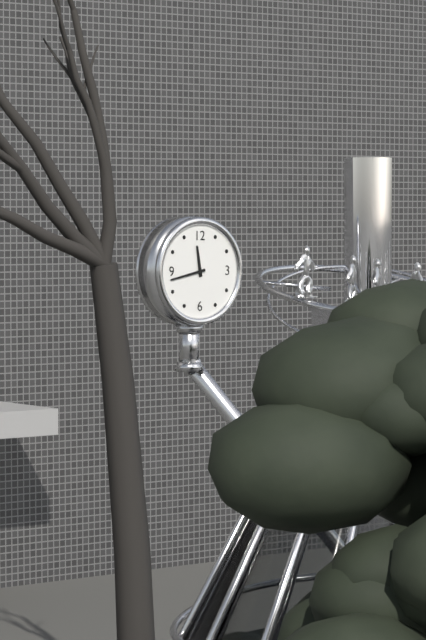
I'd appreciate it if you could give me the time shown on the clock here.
11:43
